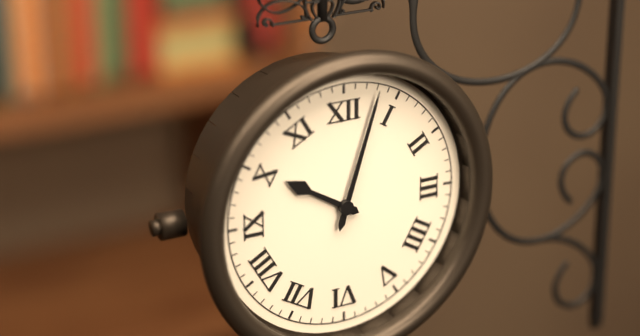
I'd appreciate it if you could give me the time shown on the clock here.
10:03
